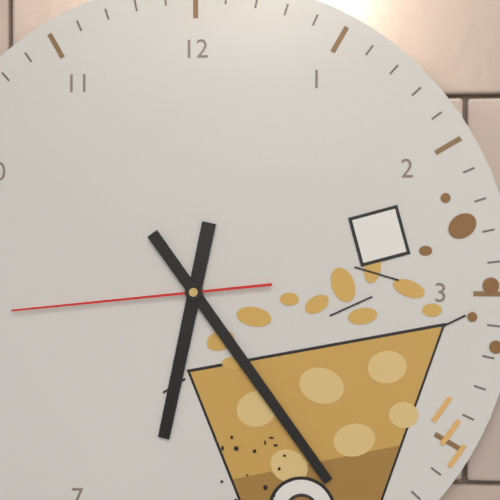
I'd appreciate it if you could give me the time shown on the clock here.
6:24:44
